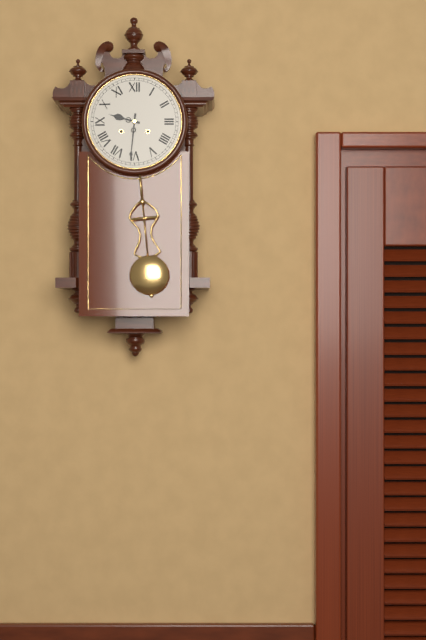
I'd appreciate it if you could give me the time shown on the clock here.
9:31
